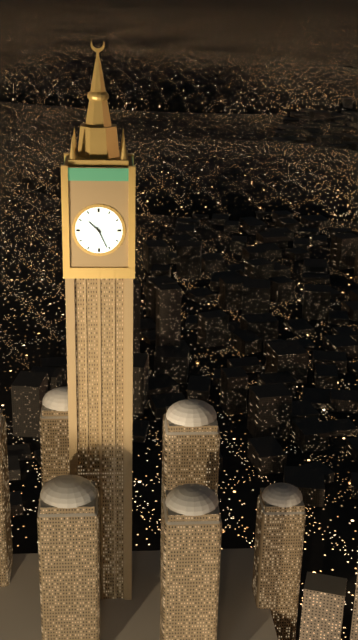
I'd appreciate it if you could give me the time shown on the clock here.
10:26
